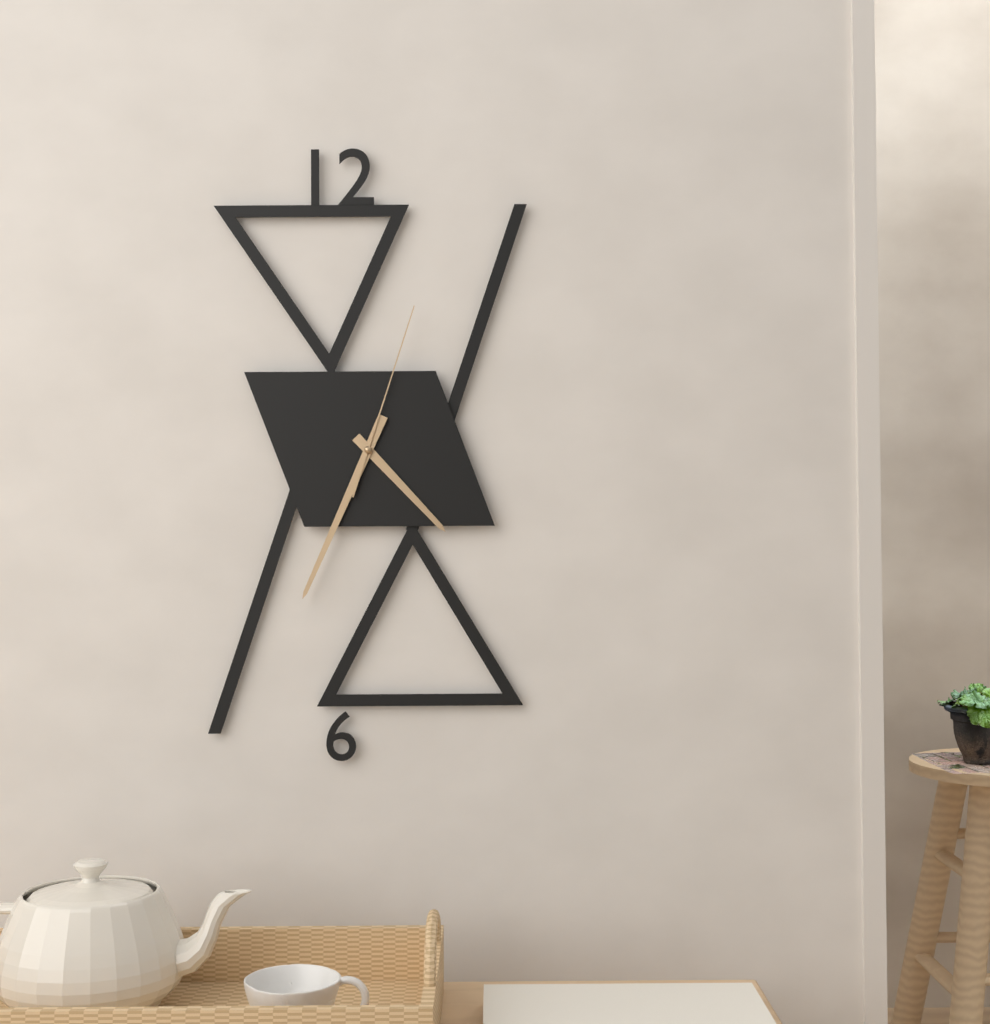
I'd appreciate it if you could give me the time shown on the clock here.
4:34:03
